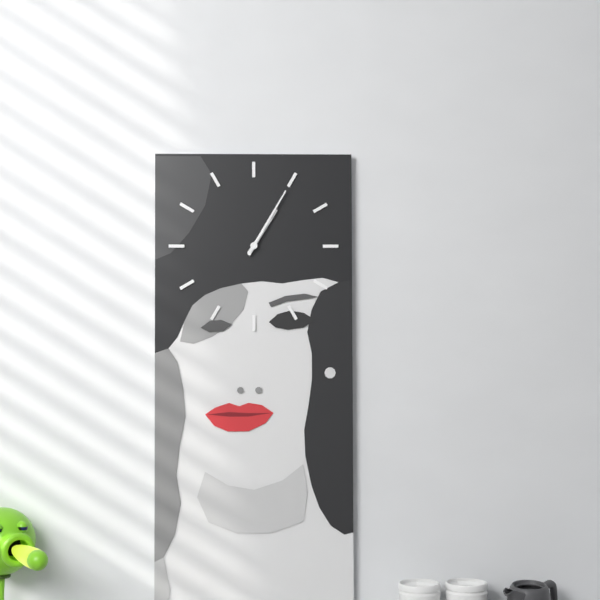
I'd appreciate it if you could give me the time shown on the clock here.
1:05
